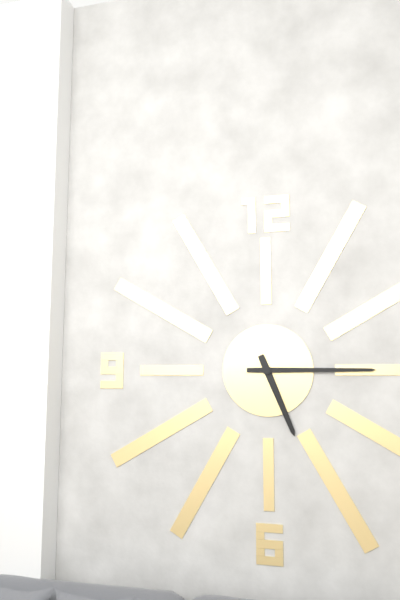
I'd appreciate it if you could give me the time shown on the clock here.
5:15
